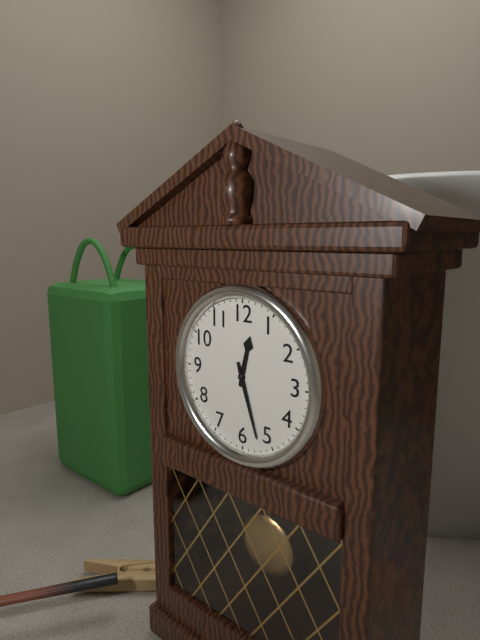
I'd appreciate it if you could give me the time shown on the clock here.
12:27
